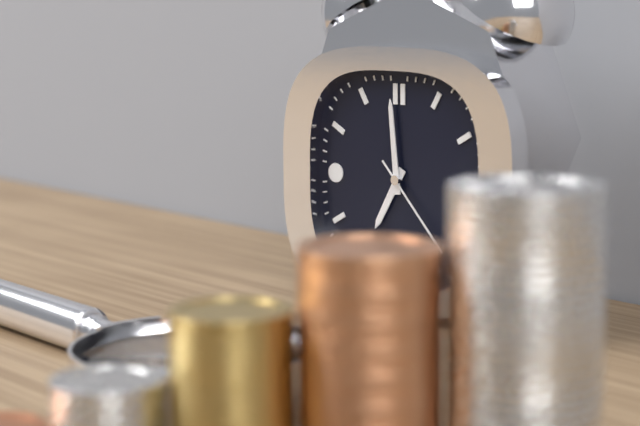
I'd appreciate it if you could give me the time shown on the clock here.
6:59:23
